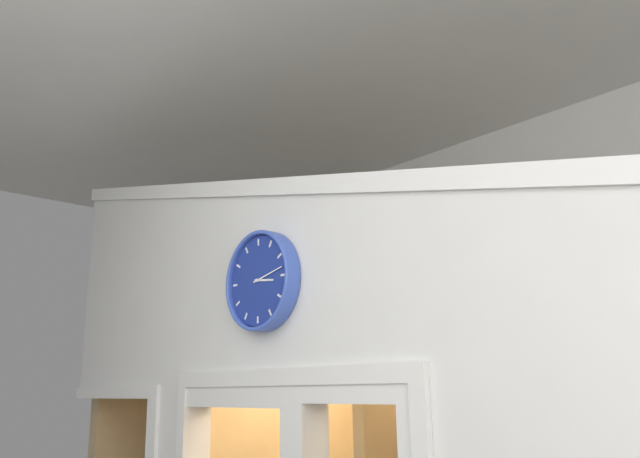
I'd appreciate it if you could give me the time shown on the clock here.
3:13
